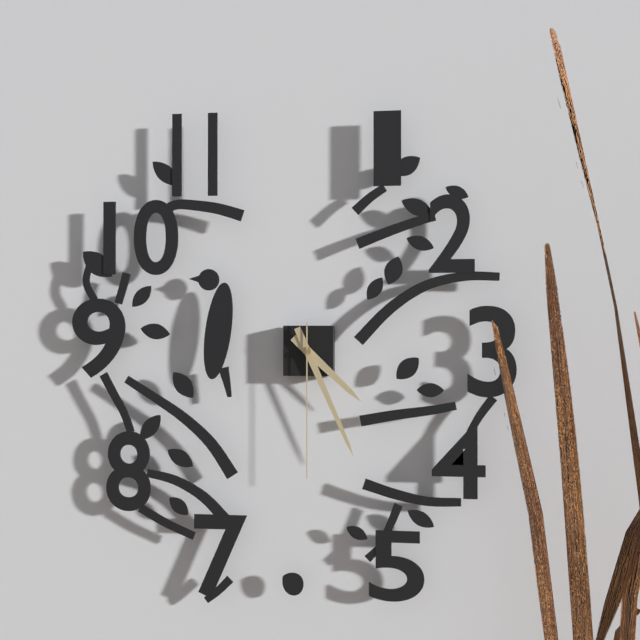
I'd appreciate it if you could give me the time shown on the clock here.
4:26:30
